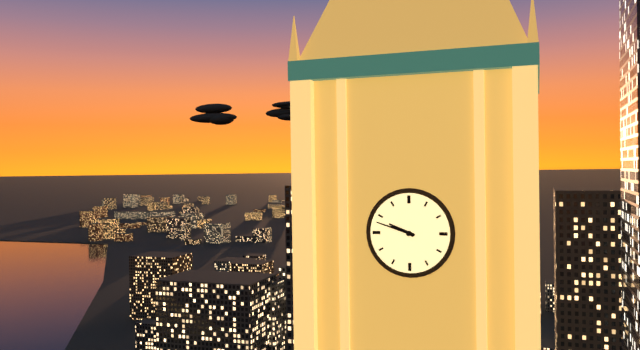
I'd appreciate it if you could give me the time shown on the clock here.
9:48
